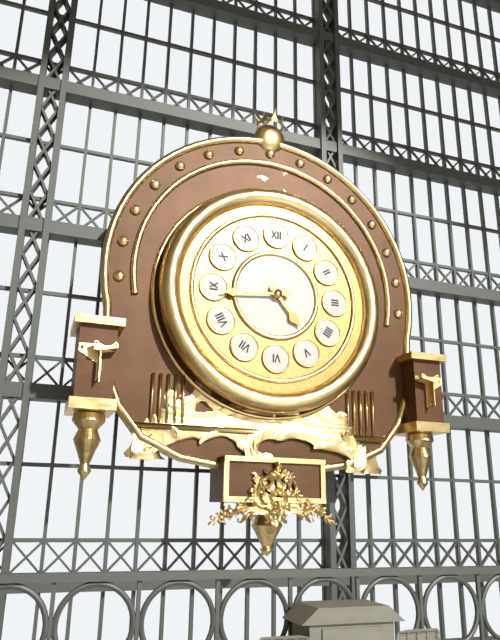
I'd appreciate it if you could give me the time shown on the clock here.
4:44
